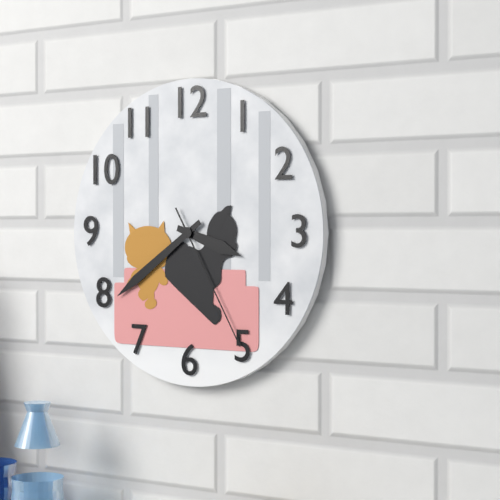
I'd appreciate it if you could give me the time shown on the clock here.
3:39:25
